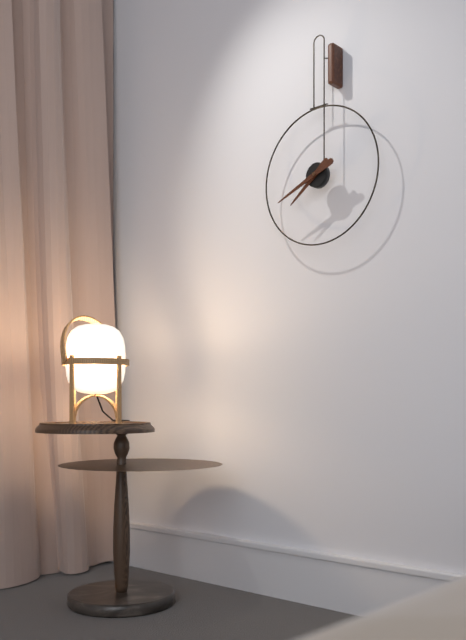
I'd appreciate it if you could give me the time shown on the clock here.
7:41
